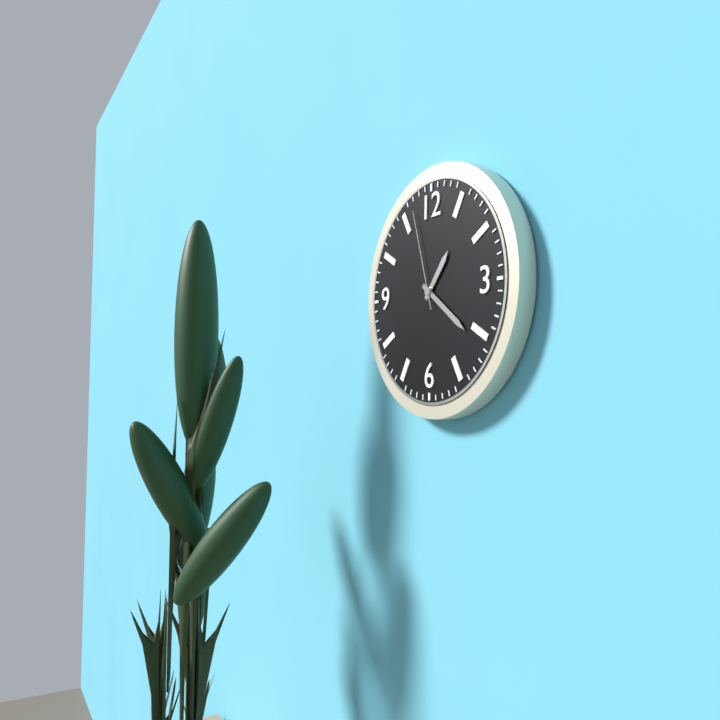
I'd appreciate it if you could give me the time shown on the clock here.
1:21:57
